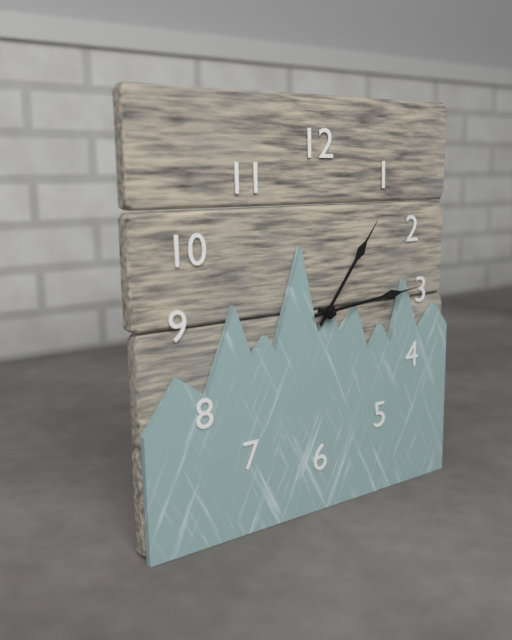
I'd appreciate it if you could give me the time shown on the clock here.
1:14
